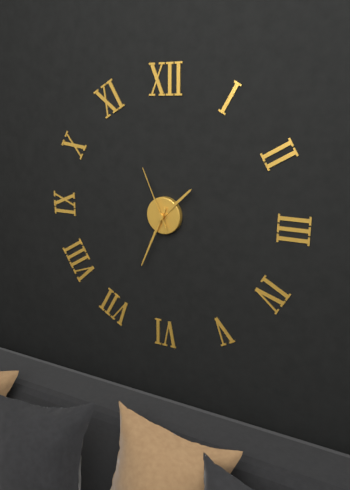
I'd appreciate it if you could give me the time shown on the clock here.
1:34:56
